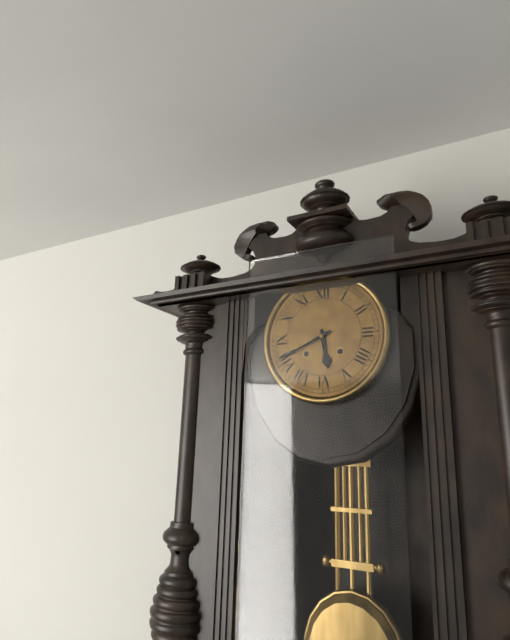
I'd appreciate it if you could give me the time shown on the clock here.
5:41
